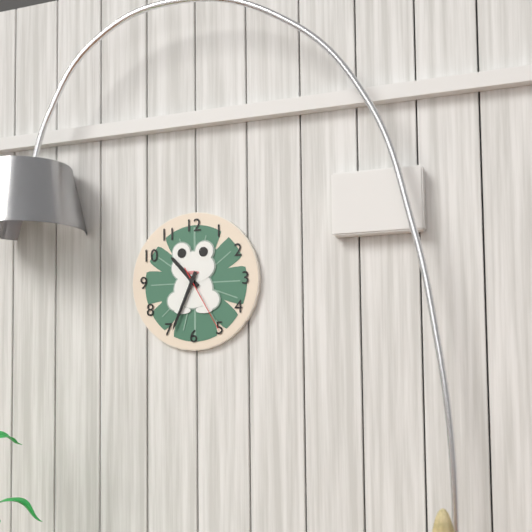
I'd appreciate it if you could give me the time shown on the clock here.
10:34:25
